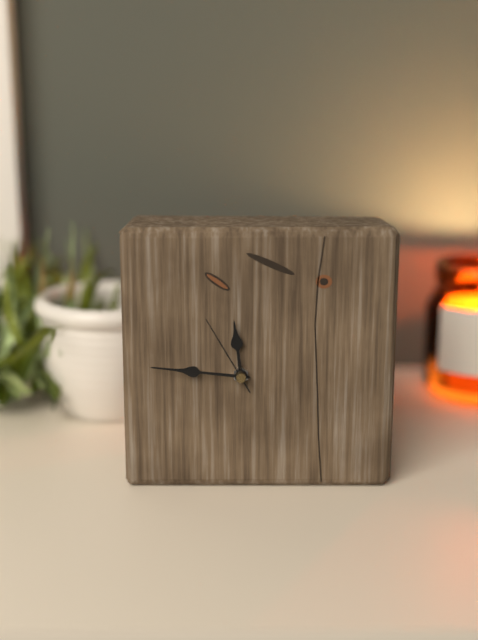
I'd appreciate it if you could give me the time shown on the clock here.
11:46:55
